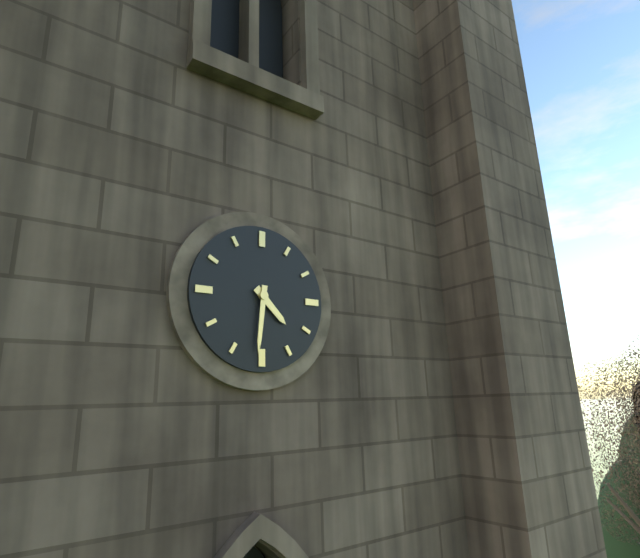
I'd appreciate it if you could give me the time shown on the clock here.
4:31
